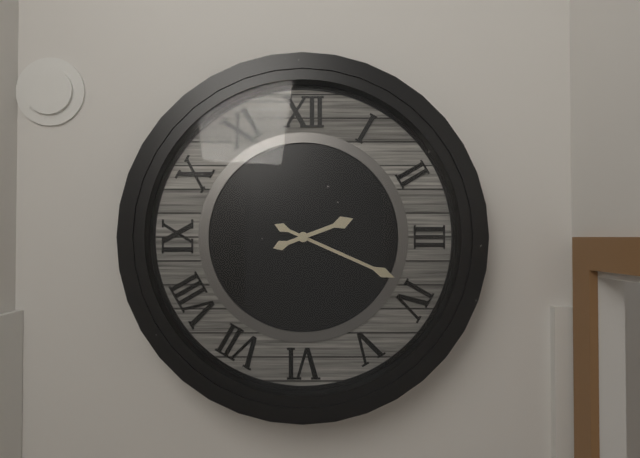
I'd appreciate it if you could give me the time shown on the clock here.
2:19
